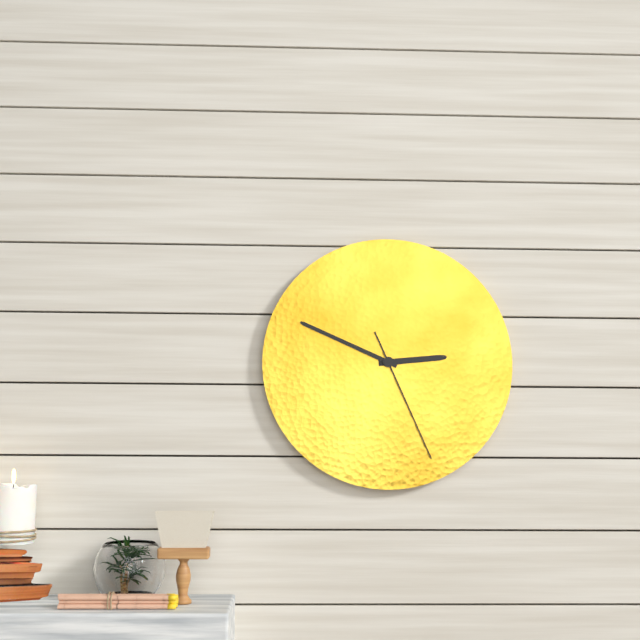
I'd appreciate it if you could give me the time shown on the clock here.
2:49:26
